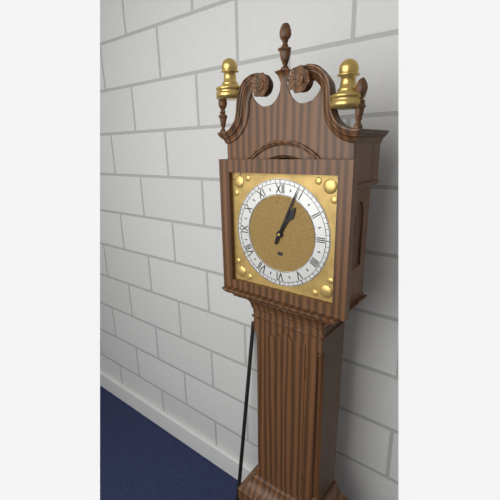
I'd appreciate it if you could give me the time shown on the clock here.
1:04
